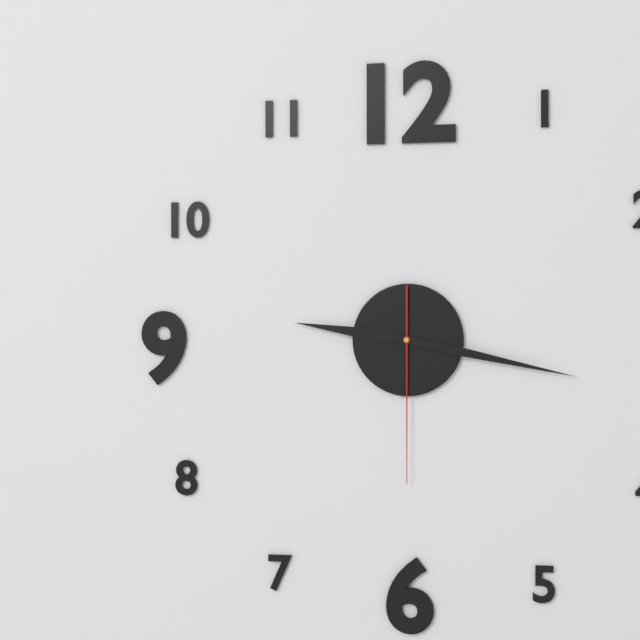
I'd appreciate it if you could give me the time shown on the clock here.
9:17:30
